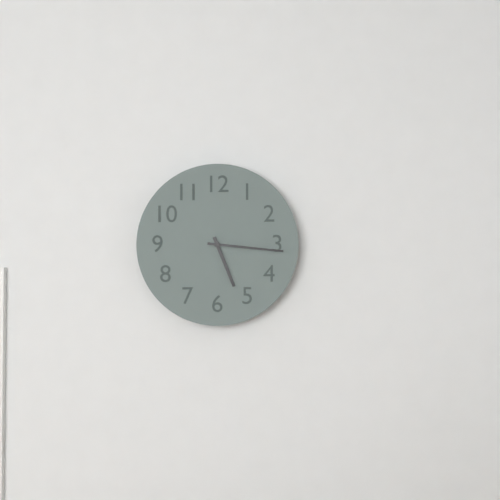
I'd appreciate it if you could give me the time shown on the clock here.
5:16
